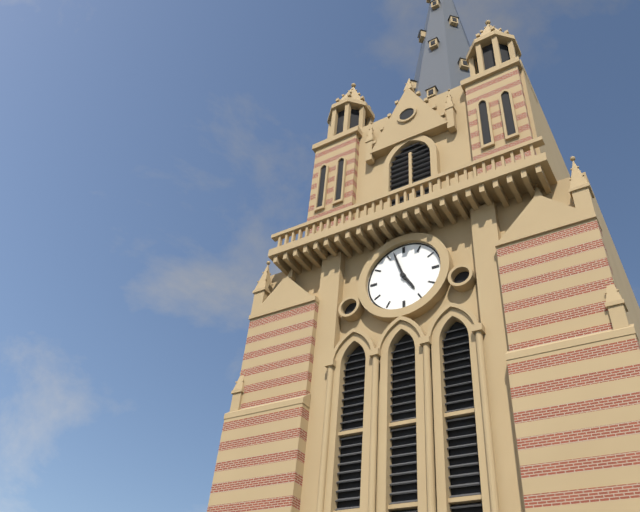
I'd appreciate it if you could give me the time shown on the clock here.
4:57
